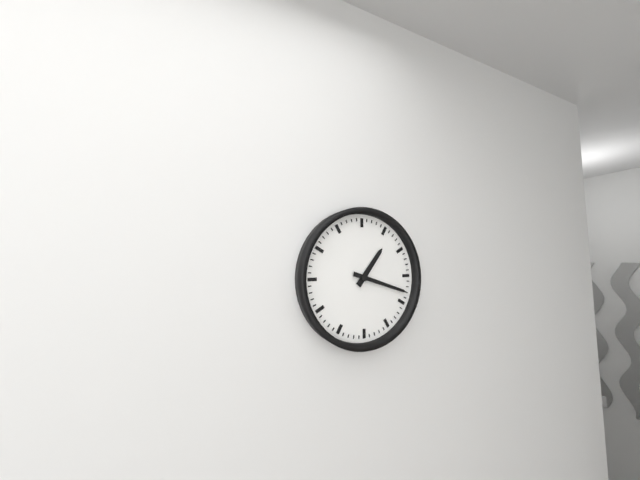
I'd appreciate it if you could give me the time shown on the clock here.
1:18
